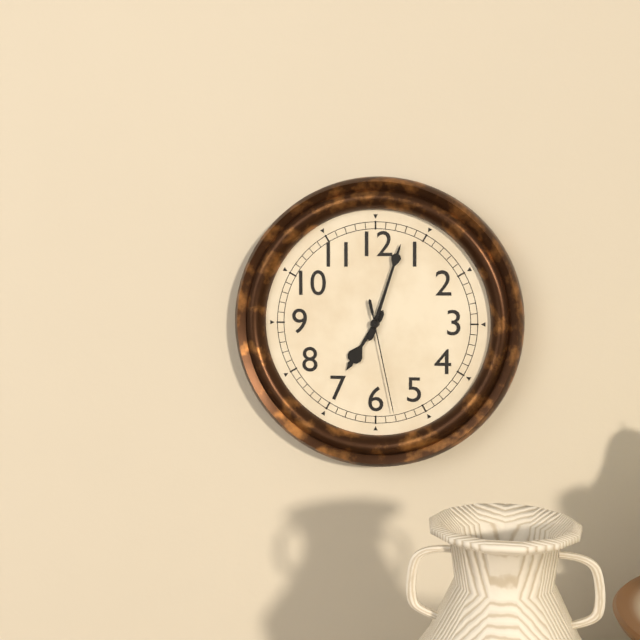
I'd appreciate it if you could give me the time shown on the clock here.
7:03:28
